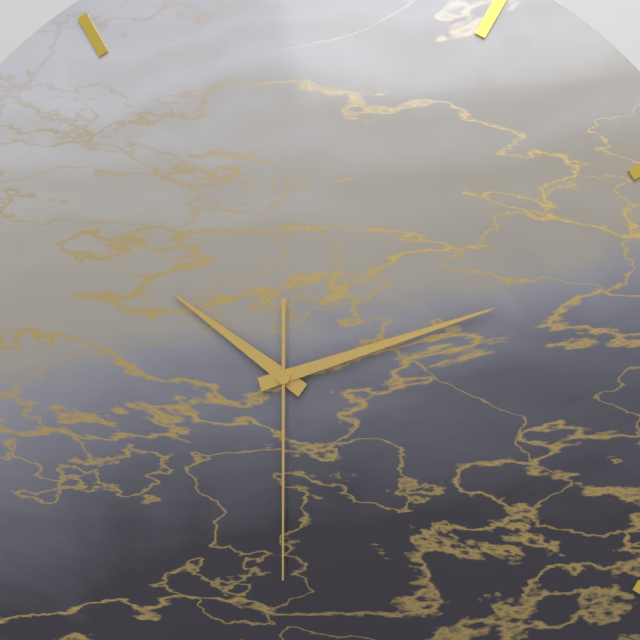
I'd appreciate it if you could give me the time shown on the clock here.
10:12:30
